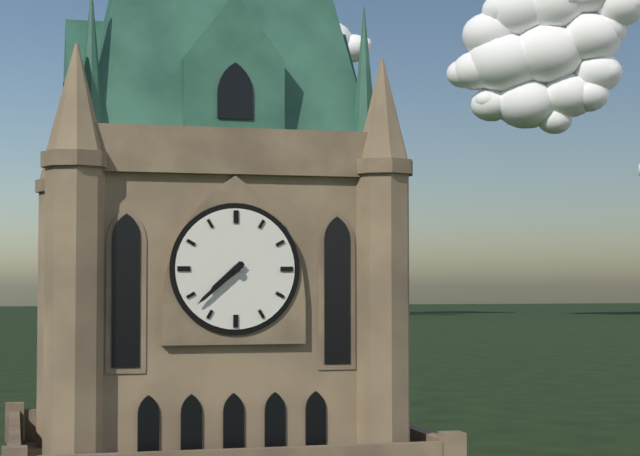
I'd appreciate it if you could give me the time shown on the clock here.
7:38
